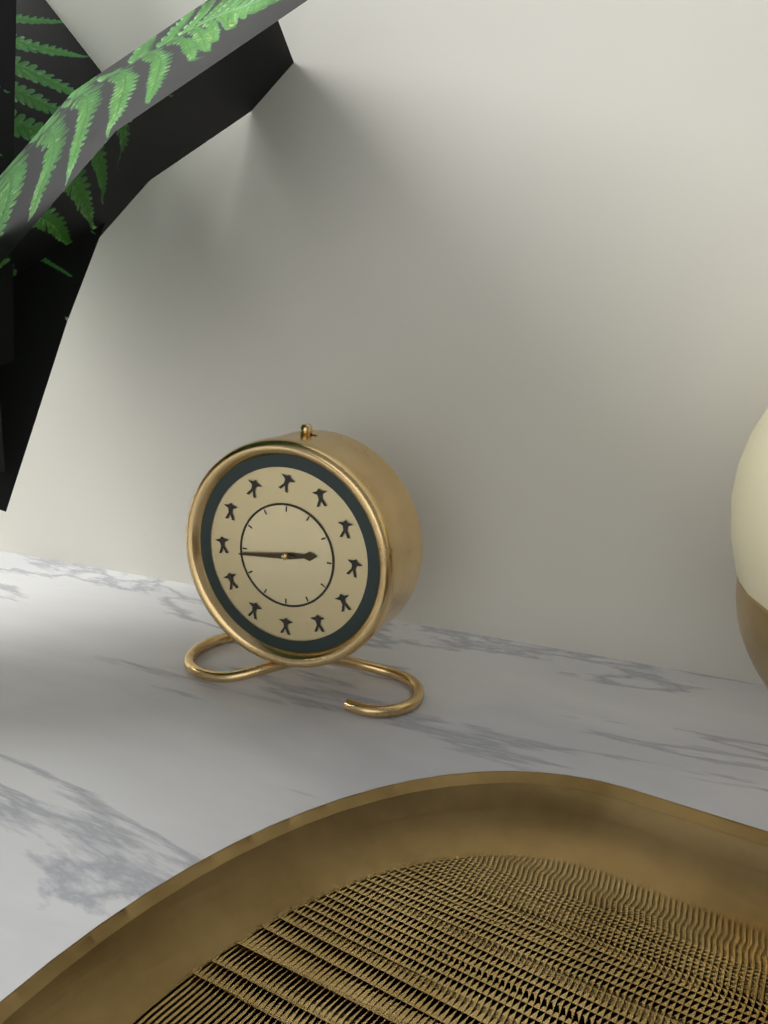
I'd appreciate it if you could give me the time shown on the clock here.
2:44
